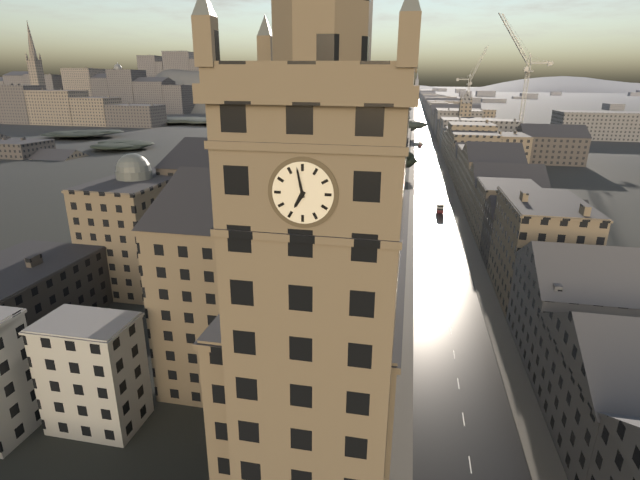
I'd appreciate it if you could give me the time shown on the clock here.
6:58
